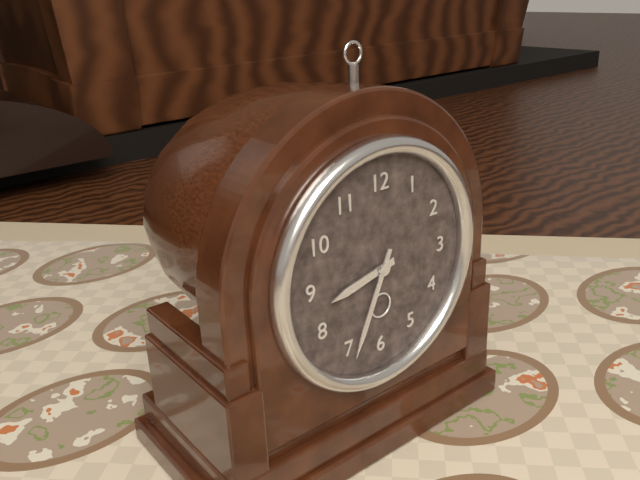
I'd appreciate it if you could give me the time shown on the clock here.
8:34
